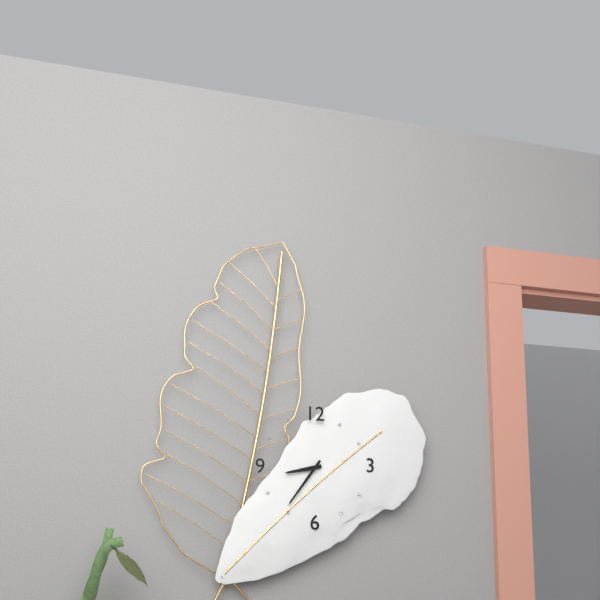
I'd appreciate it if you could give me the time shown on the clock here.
8:36
